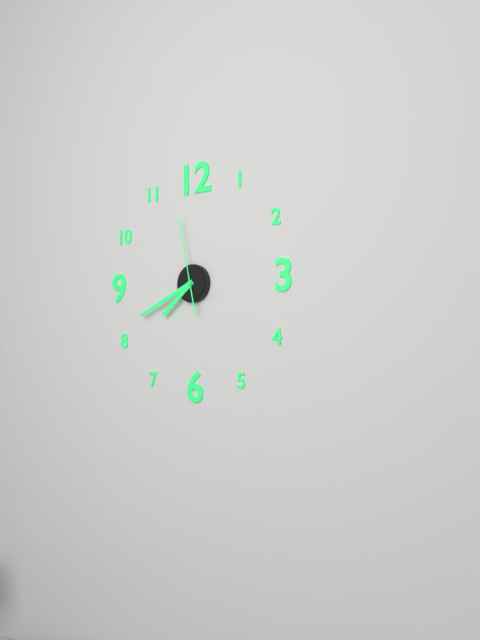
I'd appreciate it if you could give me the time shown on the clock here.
7:41:58
